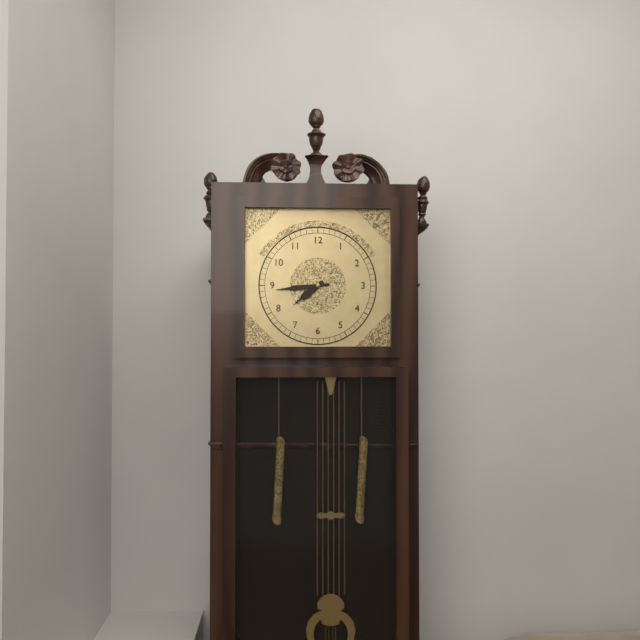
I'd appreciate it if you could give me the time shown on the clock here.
7:44
